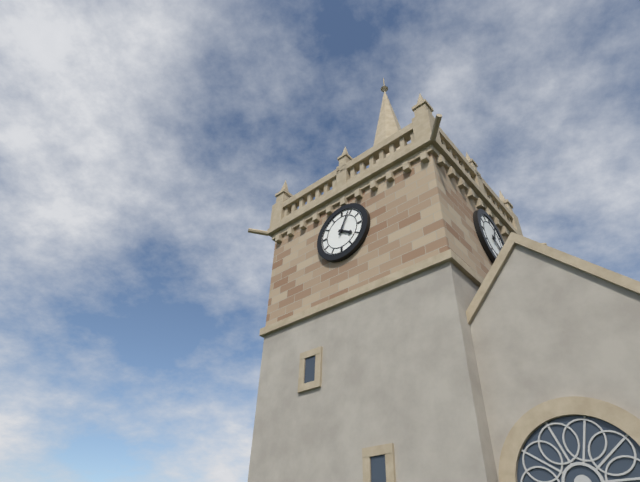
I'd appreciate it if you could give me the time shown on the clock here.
4:04
